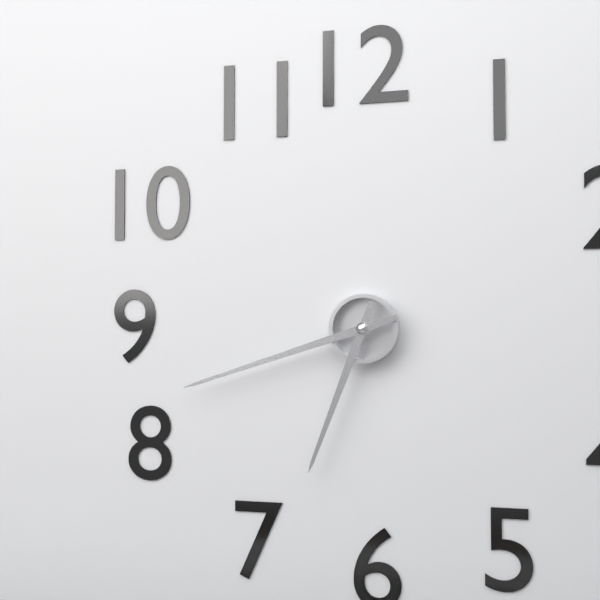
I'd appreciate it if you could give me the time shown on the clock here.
6:42
